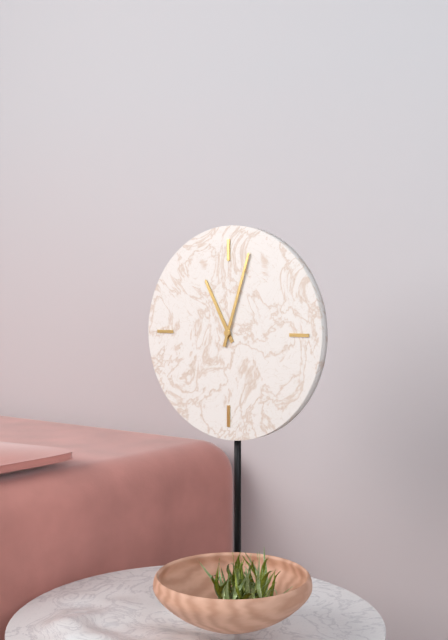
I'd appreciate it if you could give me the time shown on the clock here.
11:03
